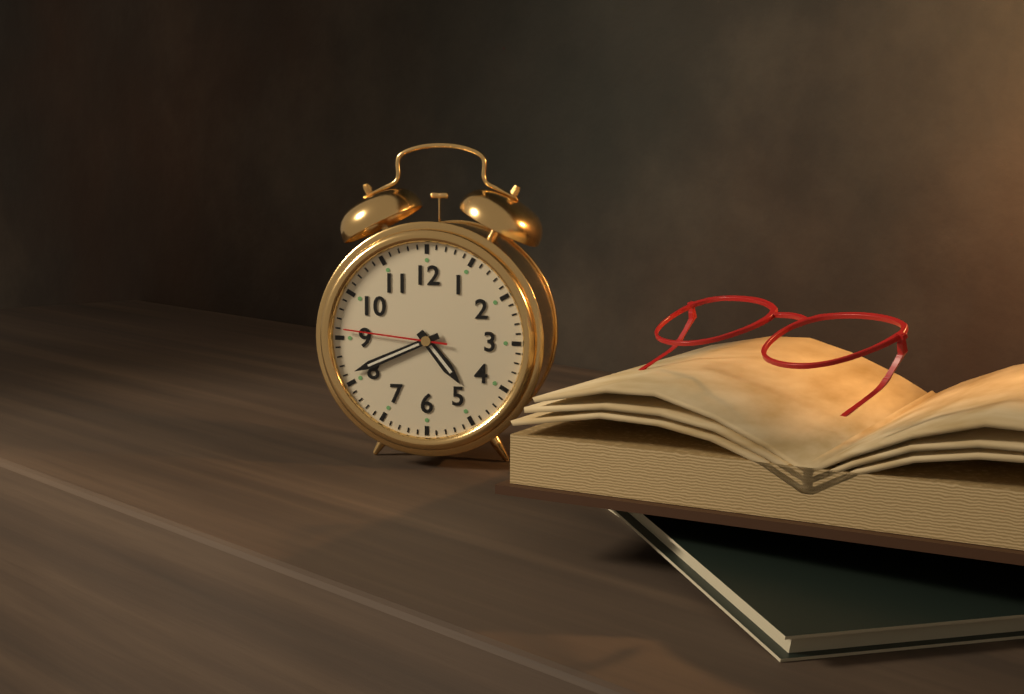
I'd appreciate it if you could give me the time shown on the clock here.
4:41:46
